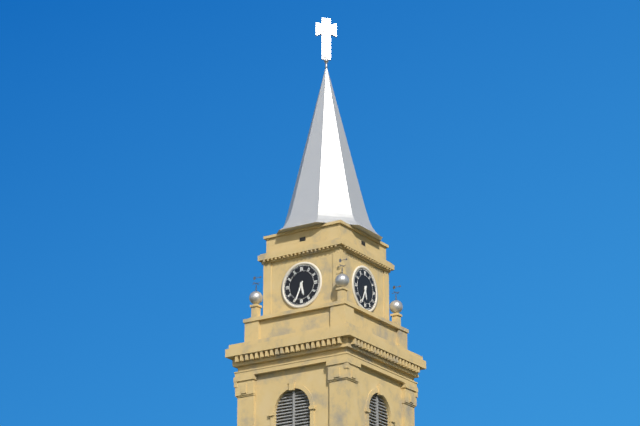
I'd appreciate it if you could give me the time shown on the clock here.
5:34
